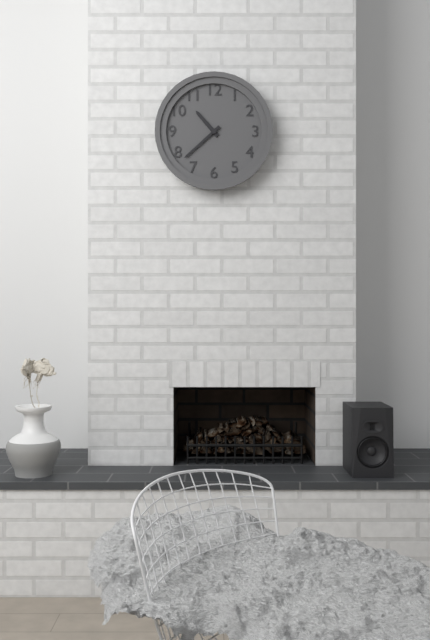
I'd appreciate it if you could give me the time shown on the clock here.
10:38
